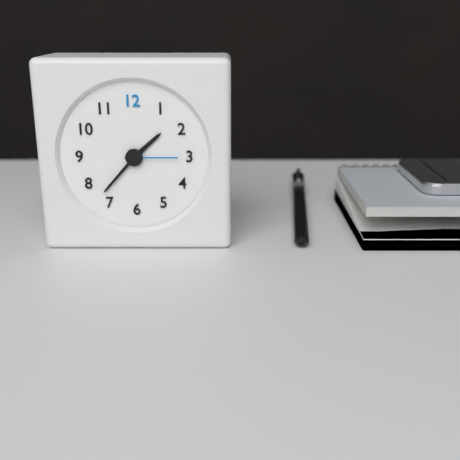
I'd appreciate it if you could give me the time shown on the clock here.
1:37:15
